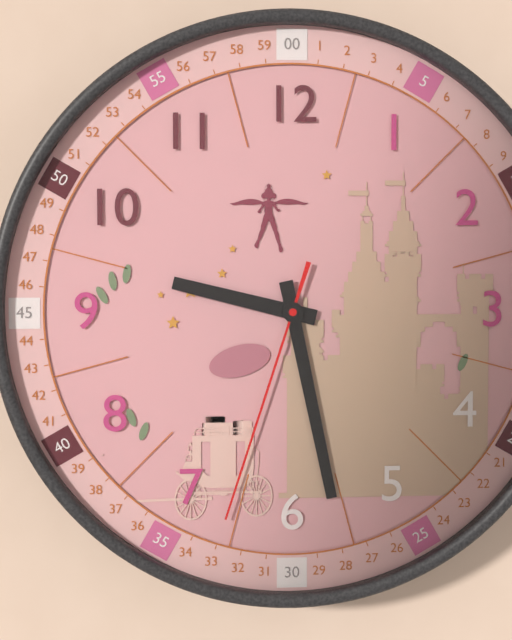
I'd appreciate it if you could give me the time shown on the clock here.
9:28:33
